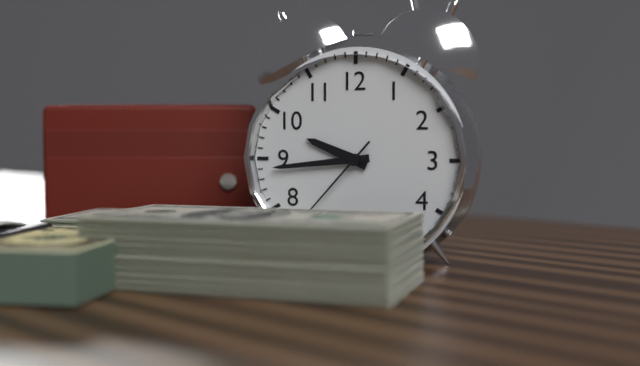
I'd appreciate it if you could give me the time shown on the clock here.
9:44:37
